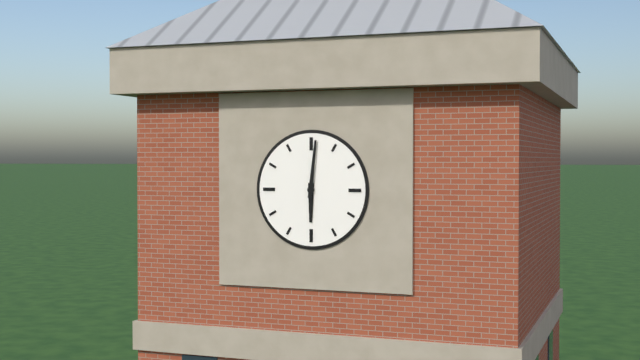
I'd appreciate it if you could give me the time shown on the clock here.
6:01
